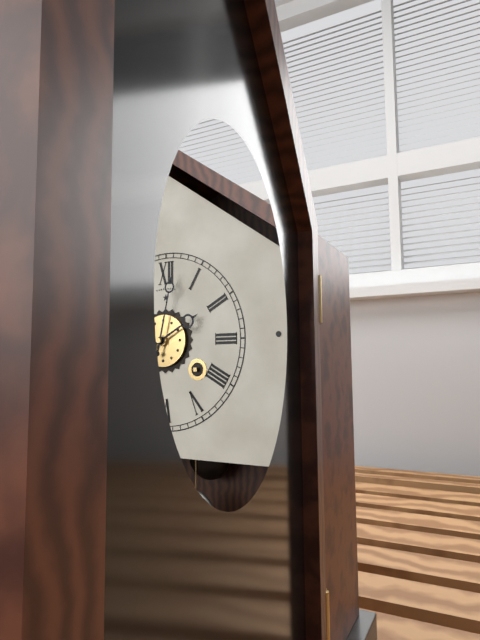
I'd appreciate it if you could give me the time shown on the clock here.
2:02
